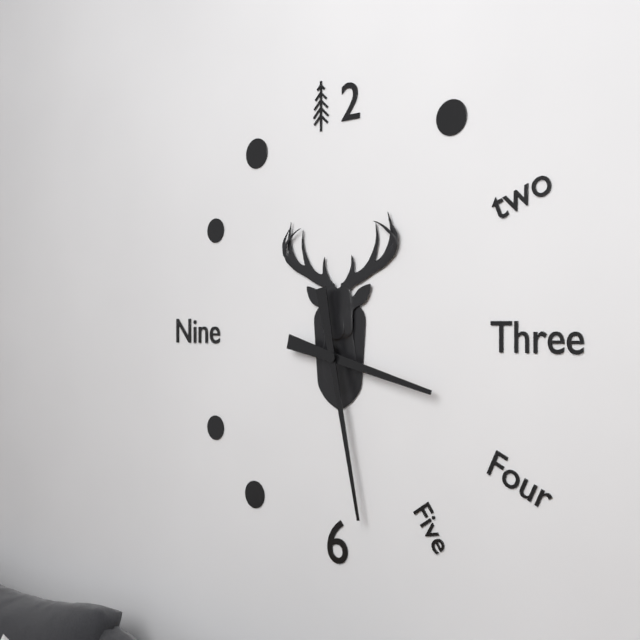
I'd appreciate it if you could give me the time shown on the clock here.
3:28
